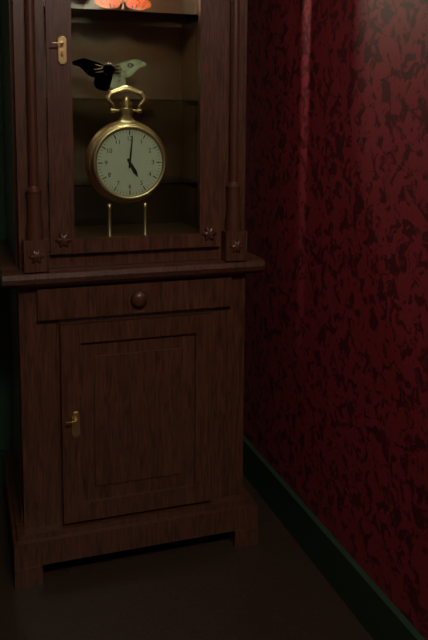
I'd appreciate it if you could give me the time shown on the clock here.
5:01
